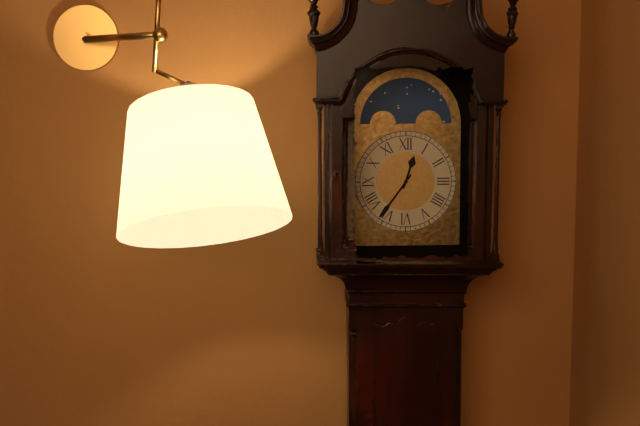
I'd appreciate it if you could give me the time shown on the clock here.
12:36
